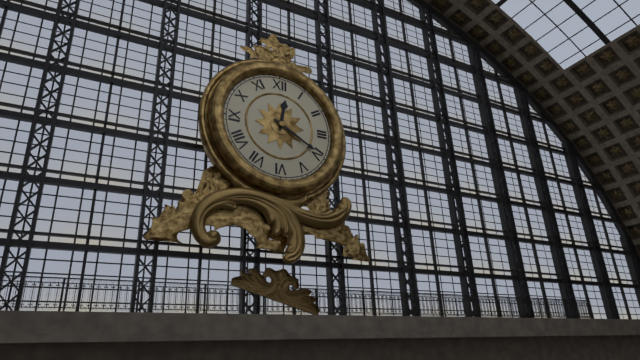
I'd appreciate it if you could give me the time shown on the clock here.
12:20
